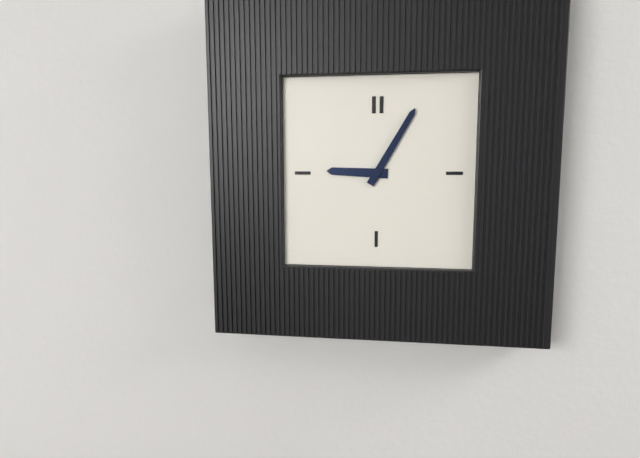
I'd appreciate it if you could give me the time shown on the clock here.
9:05
